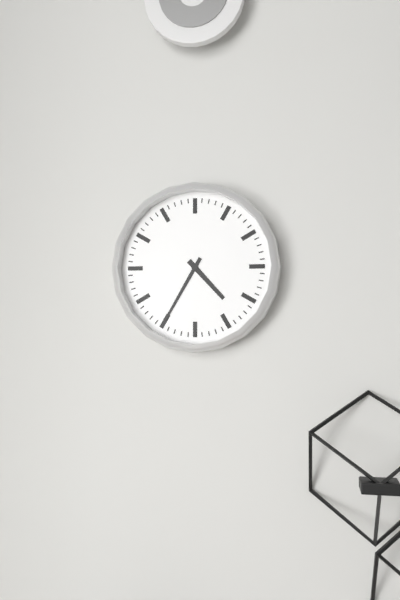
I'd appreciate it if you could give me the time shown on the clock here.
4:35
